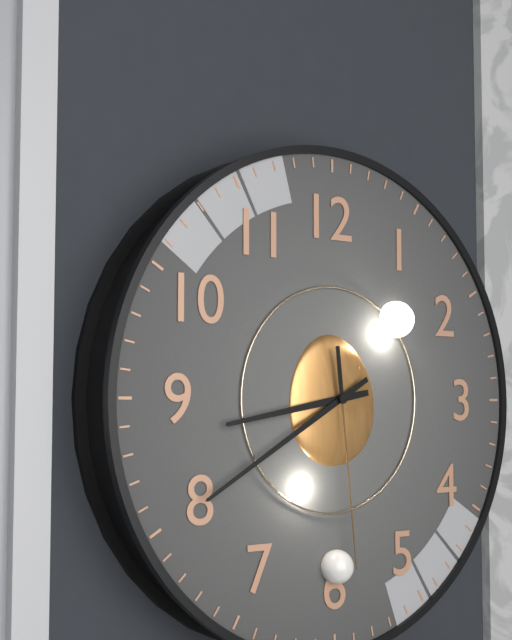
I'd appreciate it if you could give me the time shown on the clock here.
8:40:29
